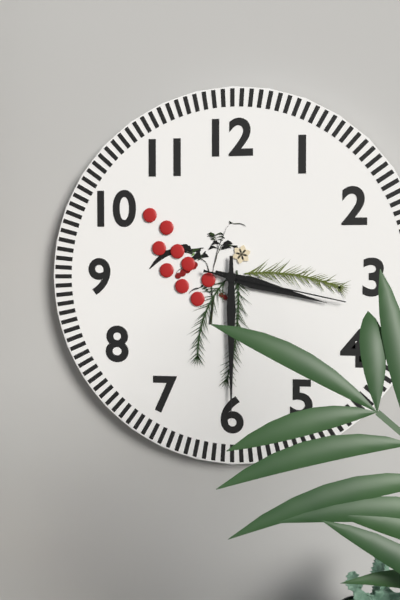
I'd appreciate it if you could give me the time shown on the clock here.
3:30:17
